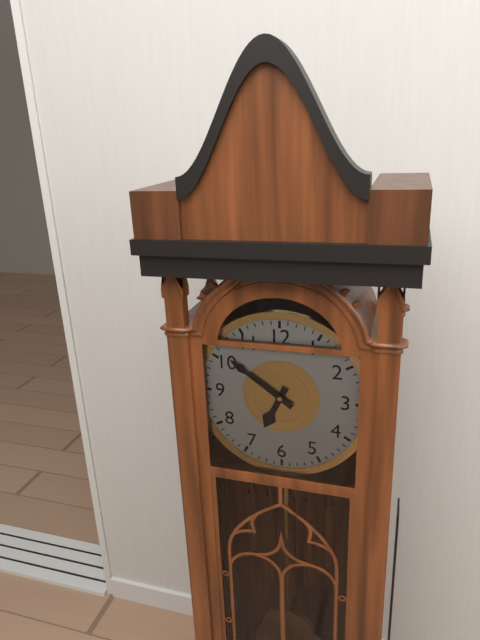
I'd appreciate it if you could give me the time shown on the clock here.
6:51
